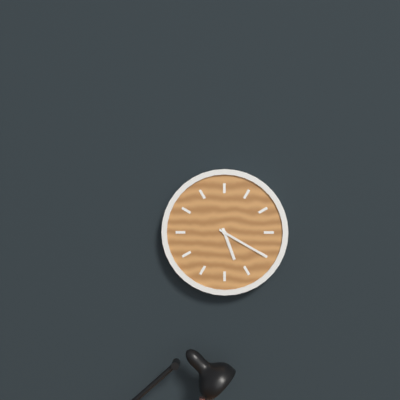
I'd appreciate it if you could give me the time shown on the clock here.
5:20
